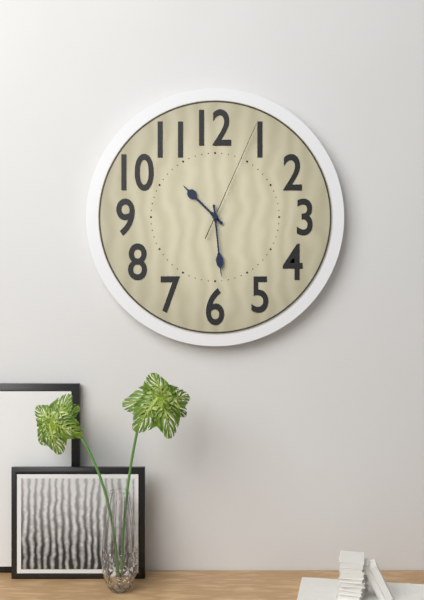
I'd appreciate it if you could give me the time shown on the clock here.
10:29:04
